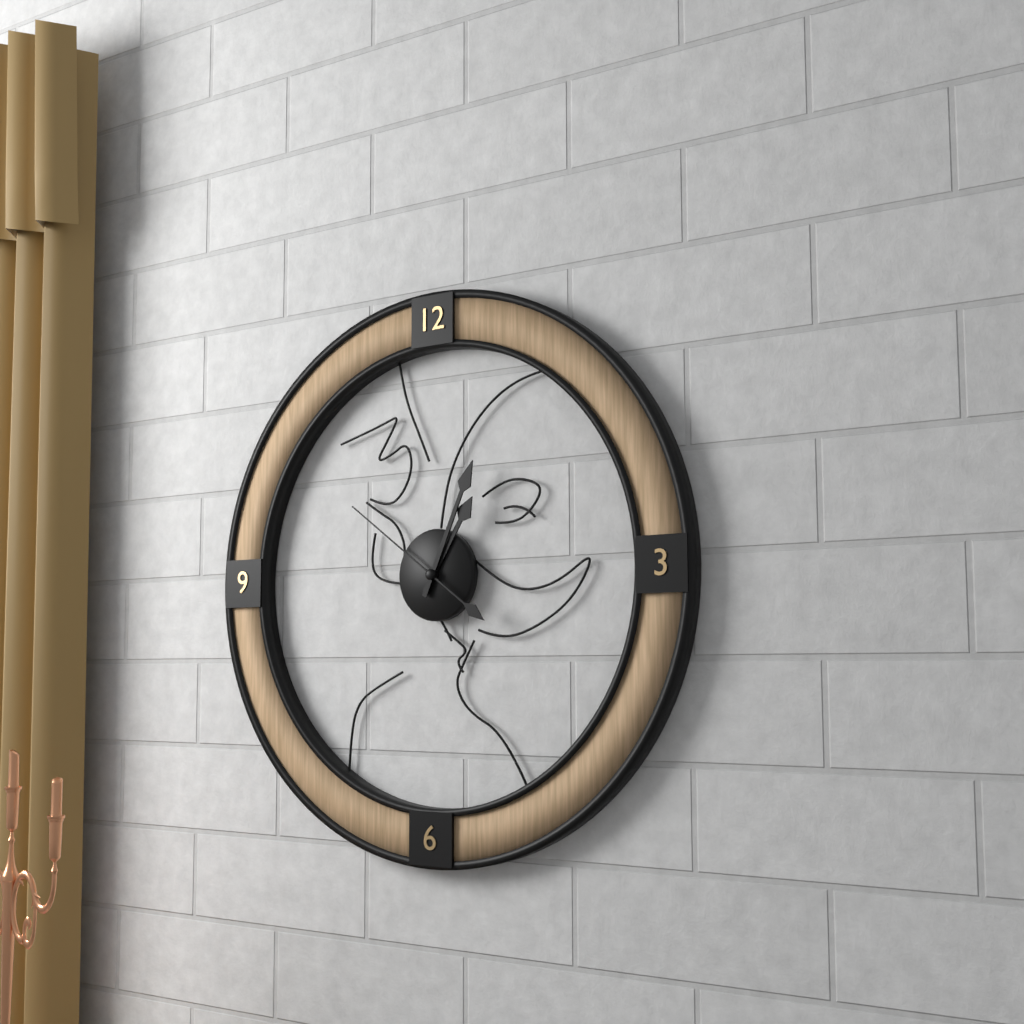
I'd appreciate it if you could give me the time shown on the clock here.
1:04:51
